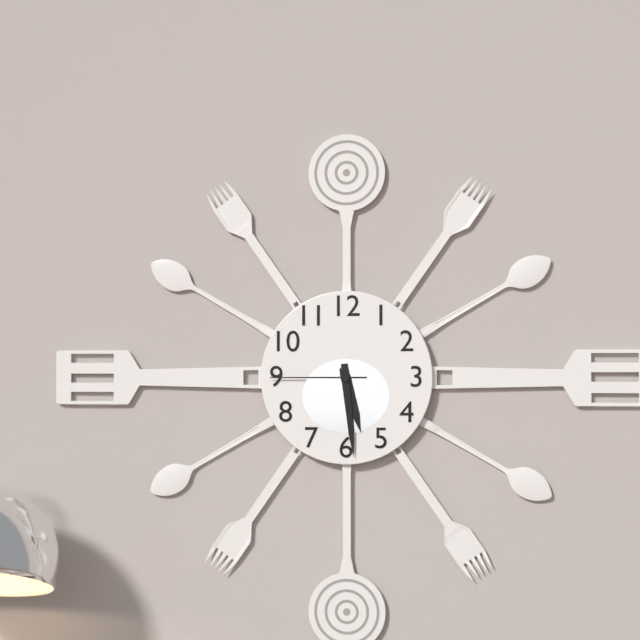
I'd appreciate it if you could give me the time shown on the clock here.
5:29:45
